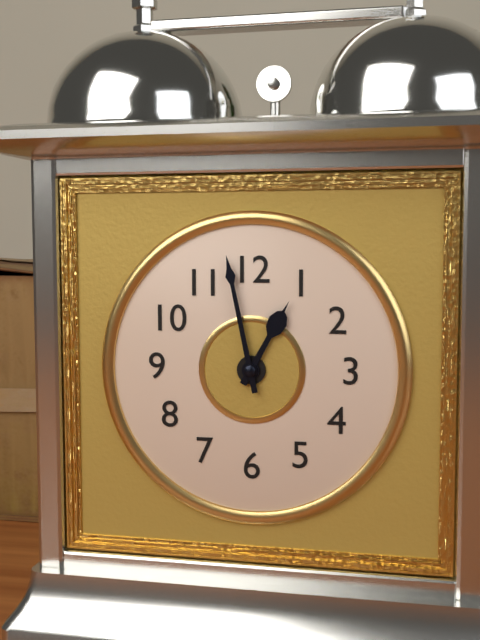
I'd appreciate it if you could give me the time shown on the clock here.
12:58
